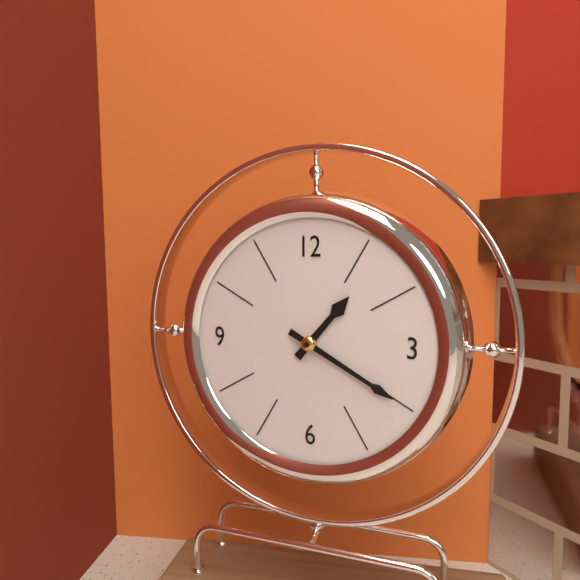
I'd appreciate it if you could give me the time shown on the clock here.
1:20
